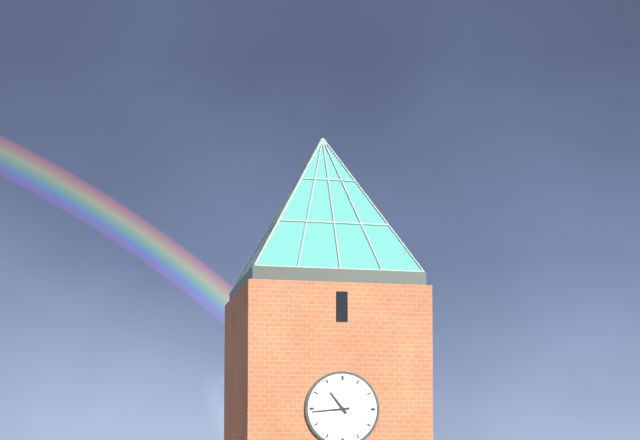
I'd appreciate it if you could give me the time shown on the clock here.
10:44
